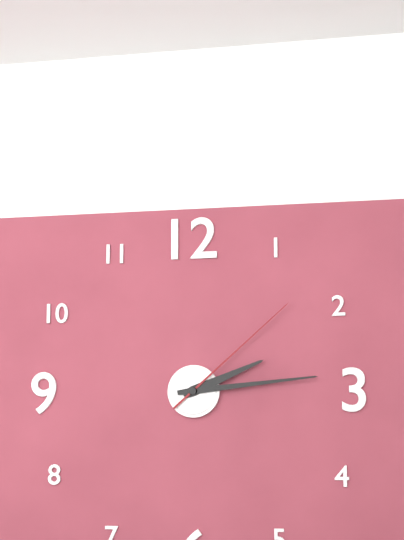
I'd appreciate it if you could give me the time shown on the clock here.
2:14:08
